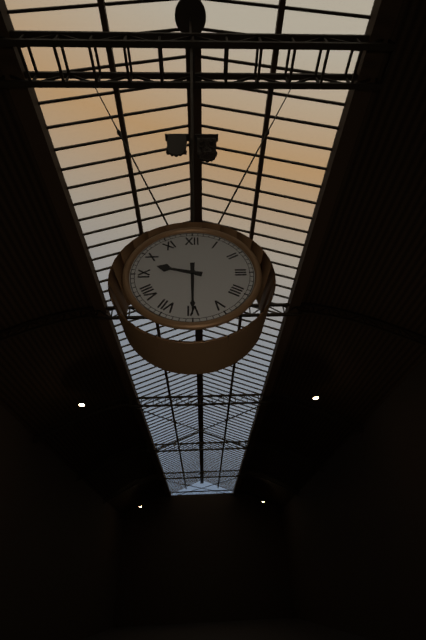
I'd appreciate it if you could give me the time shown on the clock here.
9:30
